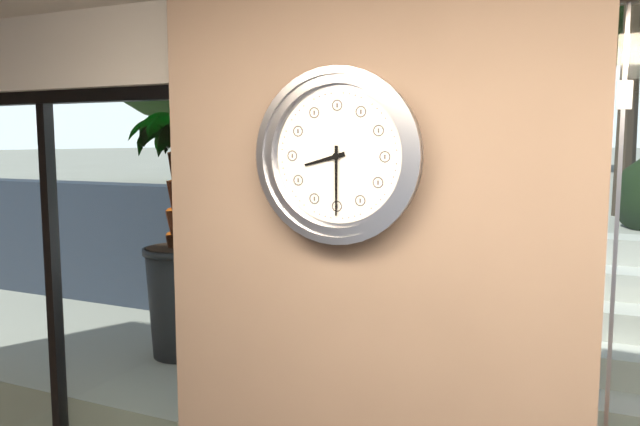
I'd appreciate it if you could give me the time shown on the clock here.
8:30
